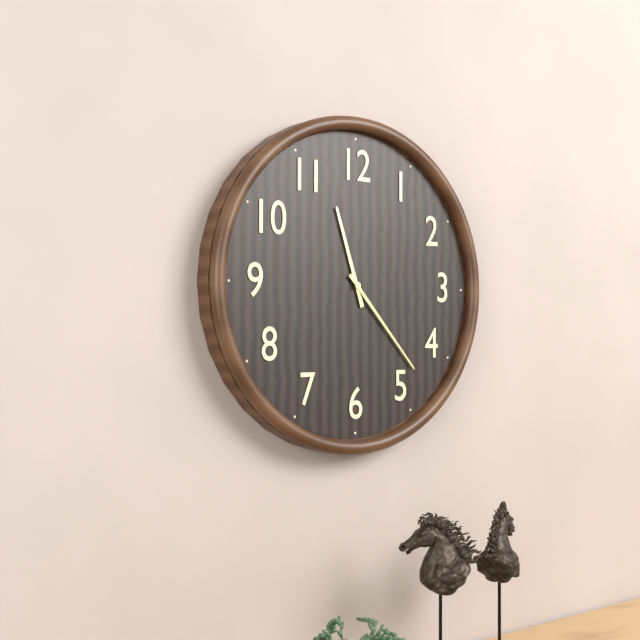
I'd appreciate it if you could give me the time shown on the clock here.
11:23
